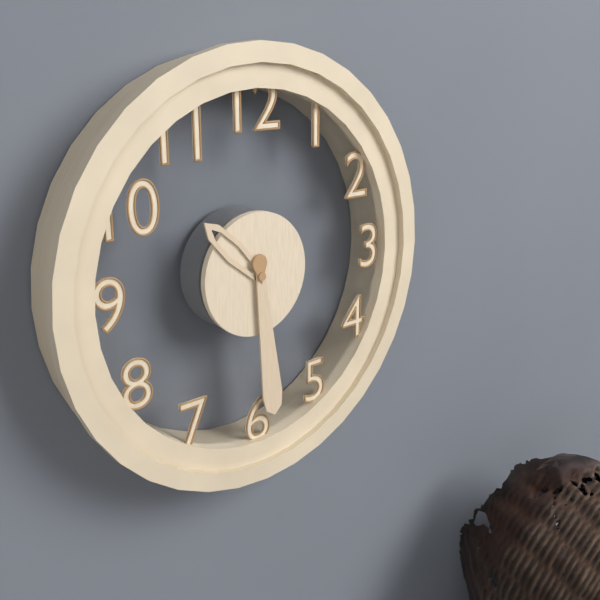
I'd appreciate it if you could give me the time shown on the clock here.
10:29
